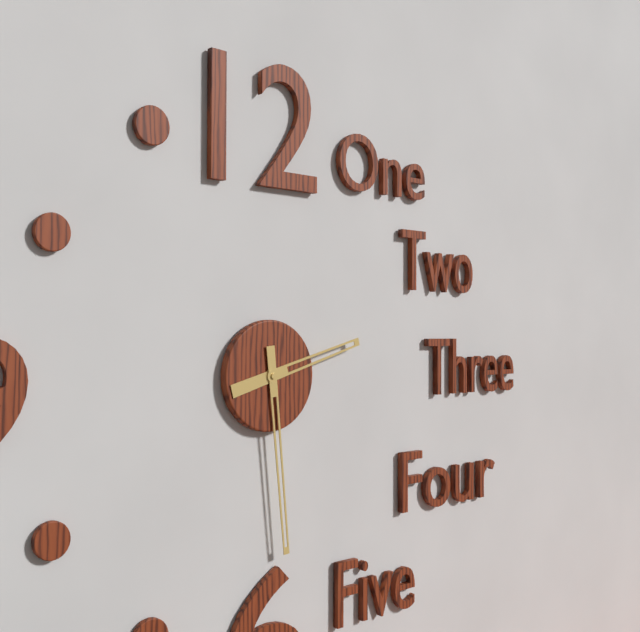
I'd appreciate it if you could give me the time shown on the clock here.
2:29
